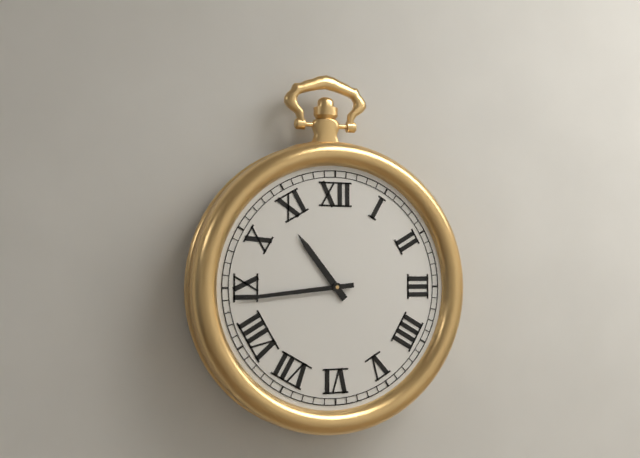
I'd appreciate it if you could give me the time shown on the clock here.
10:44
